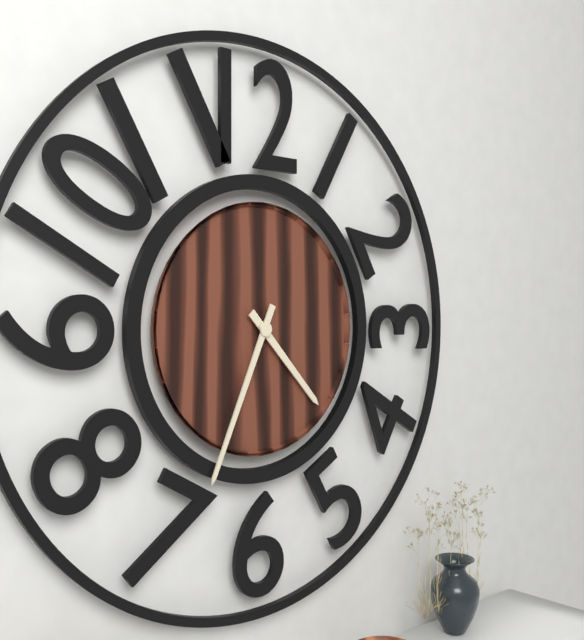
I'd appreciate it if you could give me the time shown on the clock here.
4:34
